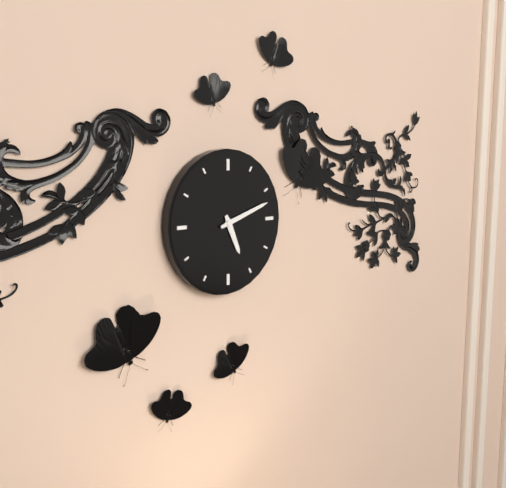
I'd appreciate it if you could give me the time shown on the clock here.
5:12
